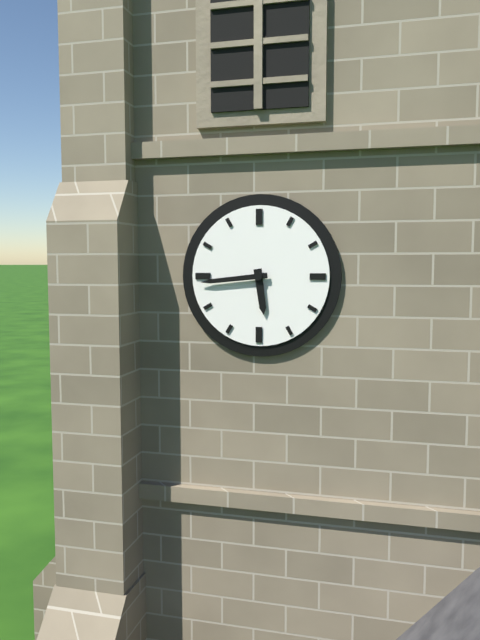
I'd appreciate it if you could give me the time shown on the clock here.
5:44
